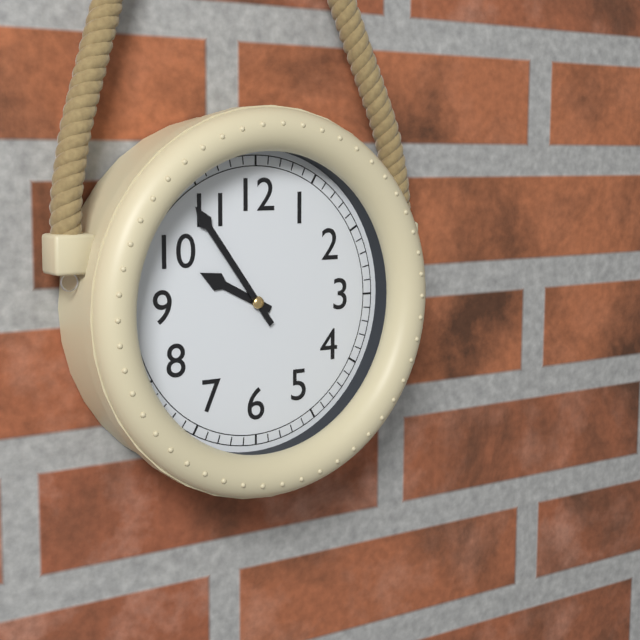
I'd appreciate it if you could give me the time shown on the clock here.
9:54
